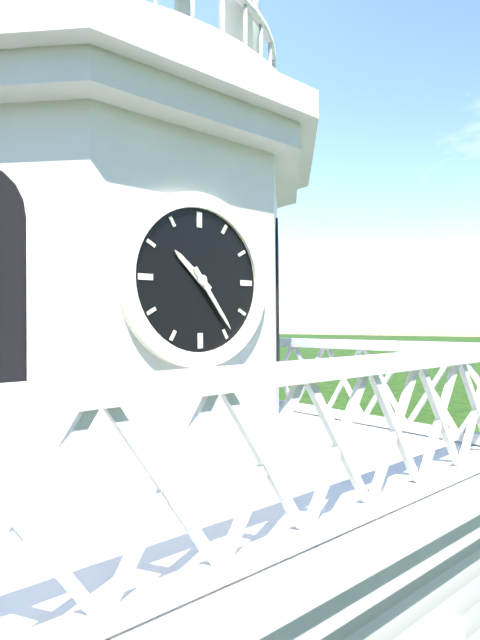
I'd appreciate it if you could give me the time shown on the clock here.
10:24
